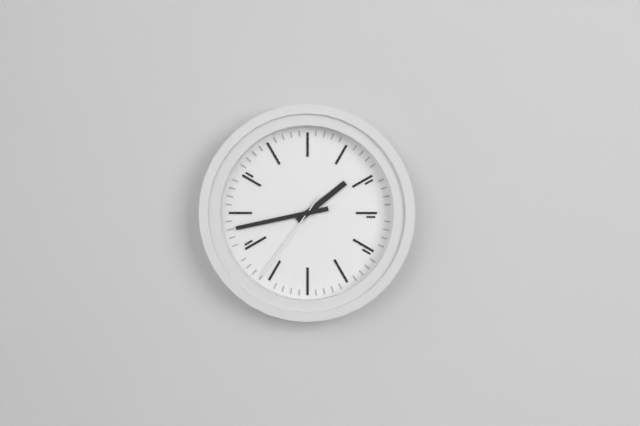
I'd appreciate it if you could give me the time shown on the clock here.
1:43:36
